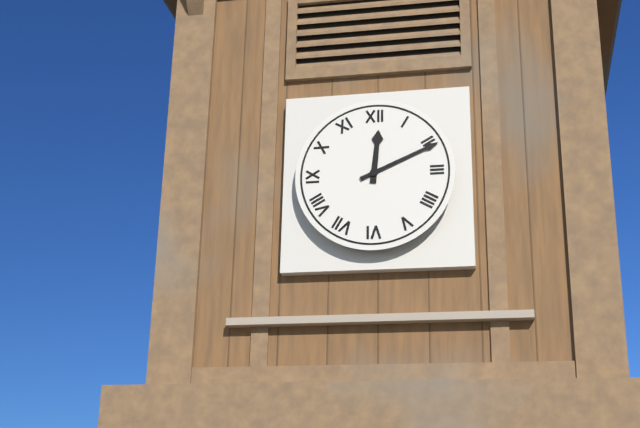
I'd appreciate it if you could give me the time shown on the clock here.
12:11
